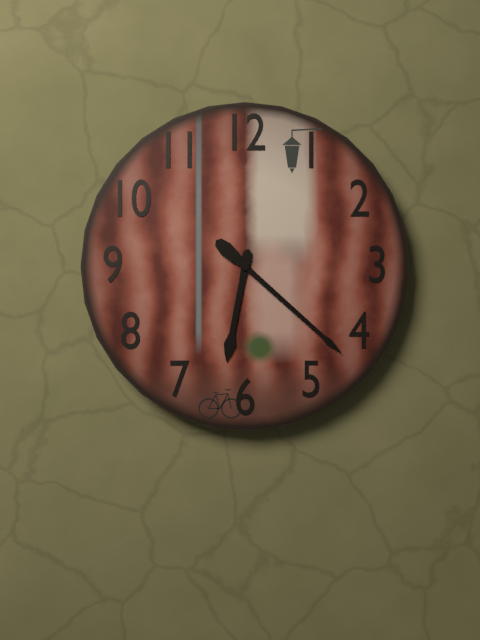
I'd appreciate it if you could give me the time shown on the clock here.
6:22
